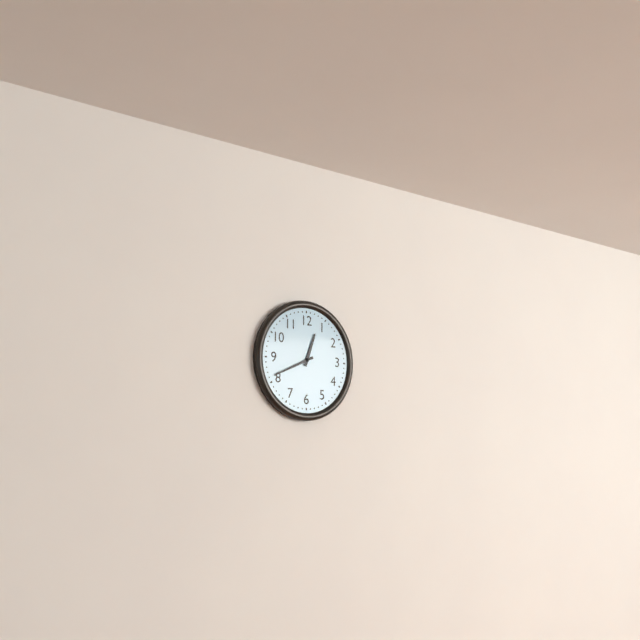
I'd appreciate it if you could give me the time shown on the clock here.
12:41
